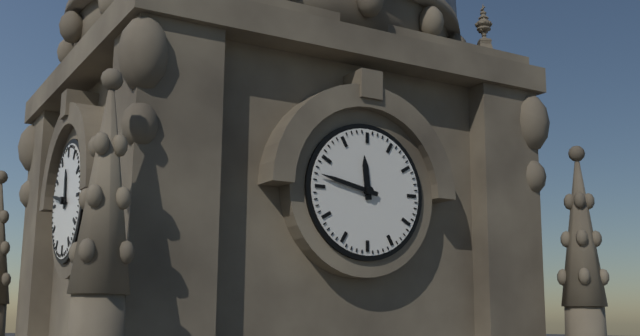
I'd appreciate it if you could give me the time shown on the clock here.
11:47
